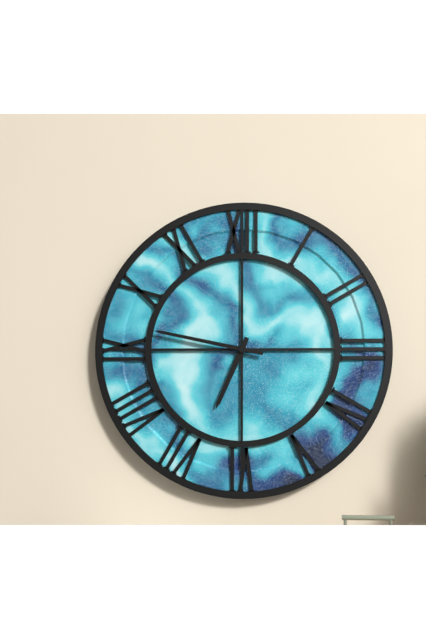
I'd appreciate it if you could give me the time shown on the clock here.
6:47
